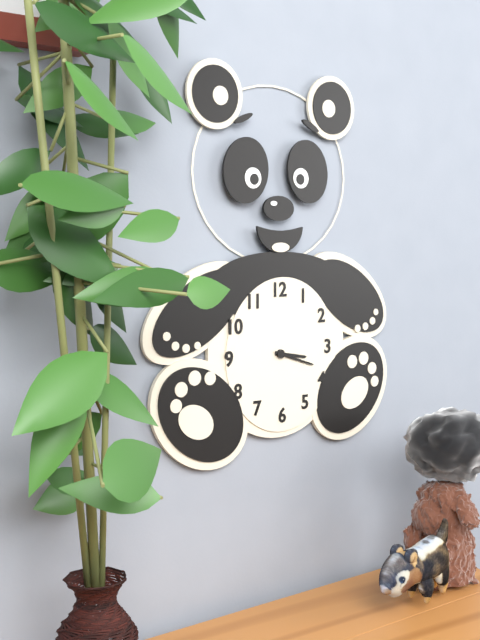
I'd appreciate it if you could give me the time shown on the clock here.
3:18
